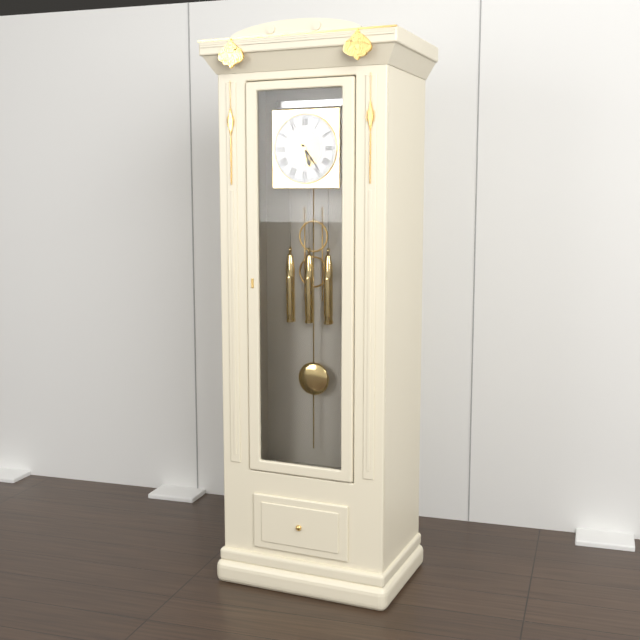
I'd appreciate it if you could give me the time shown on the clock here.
5:24
